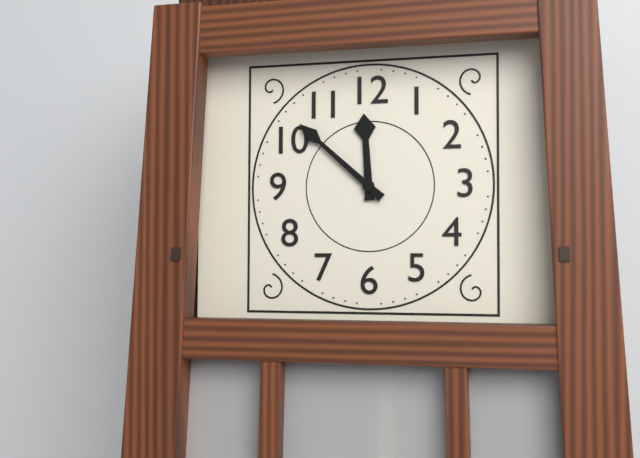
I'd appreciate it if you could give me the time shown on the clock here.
11:52
